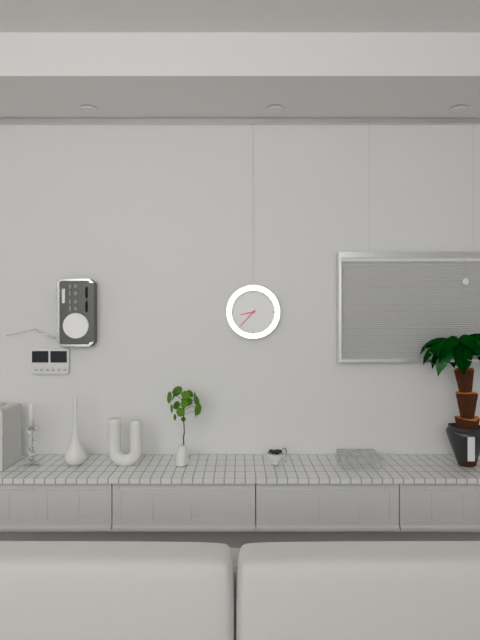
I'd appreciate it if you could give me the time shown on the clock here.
8:37
